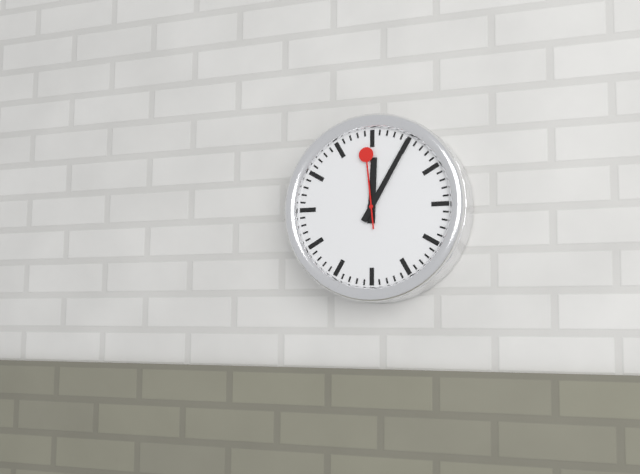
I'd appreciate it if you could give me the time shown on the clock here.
12:05:59
